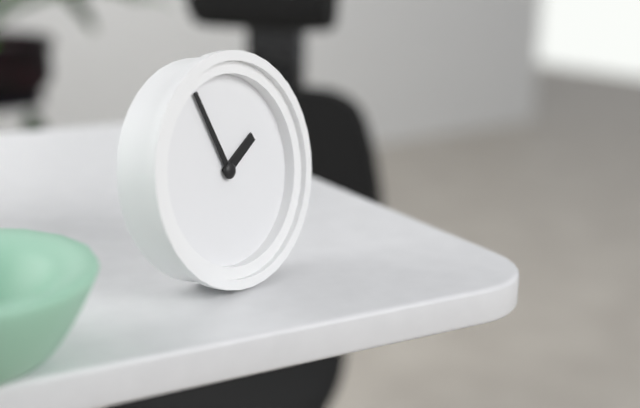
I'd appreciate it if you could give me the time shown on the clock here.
1:56
